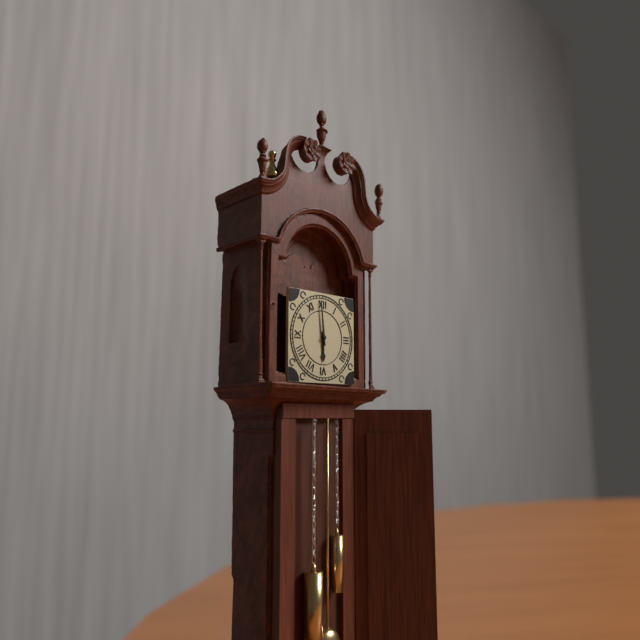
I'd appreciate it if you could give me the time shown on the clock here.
5:59
